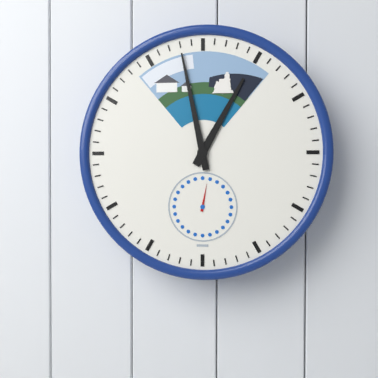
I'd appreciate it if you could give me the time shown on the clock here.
12:58
